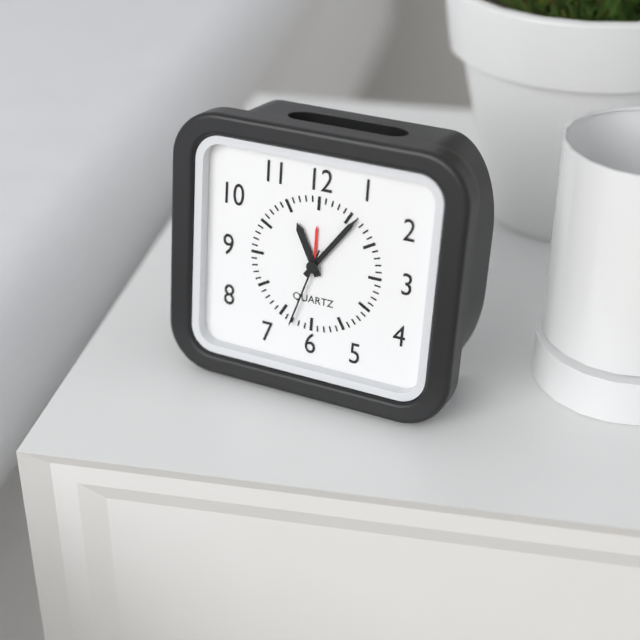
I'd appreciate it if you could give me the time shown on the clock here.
11:06:33
